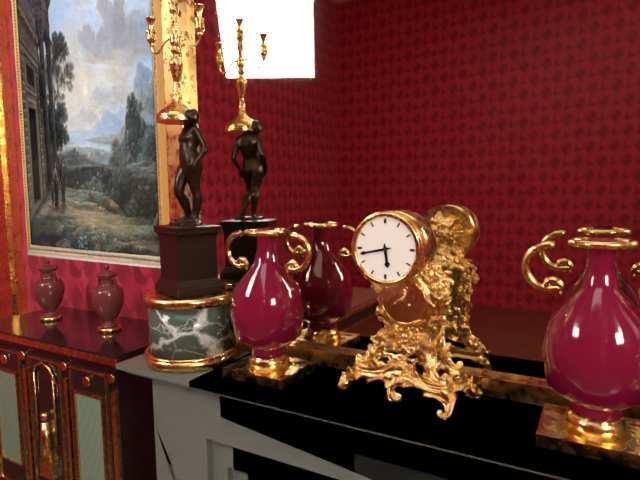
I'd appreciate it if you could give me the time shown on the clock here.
5:43
